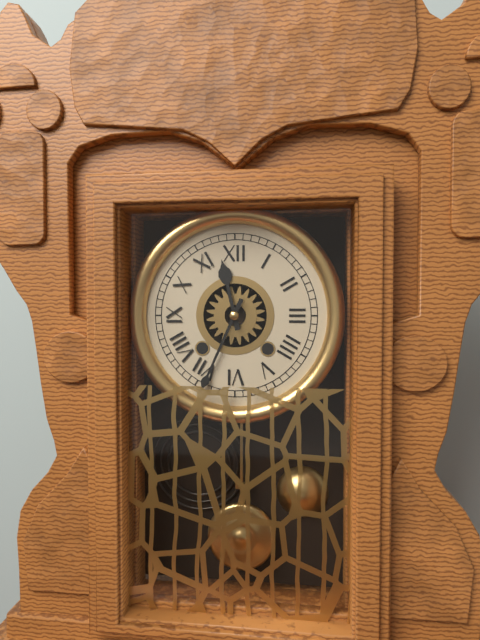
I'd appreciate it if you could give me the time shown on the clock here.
11:34
